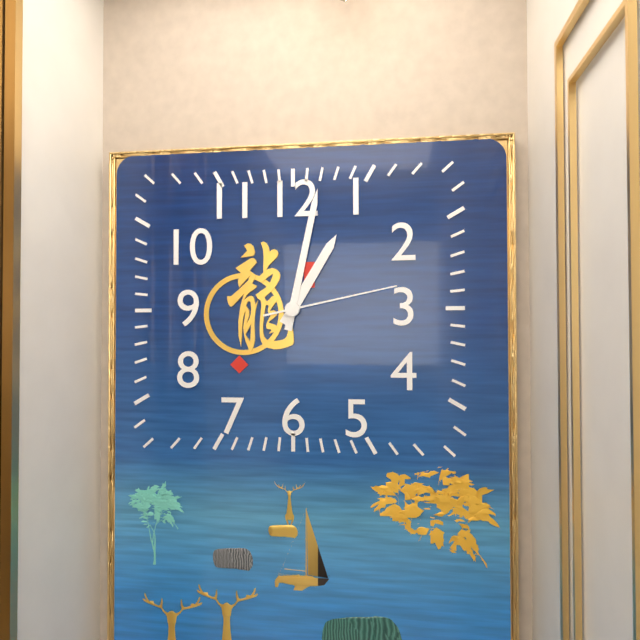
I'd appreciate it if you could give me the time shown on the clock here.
1:02:13
